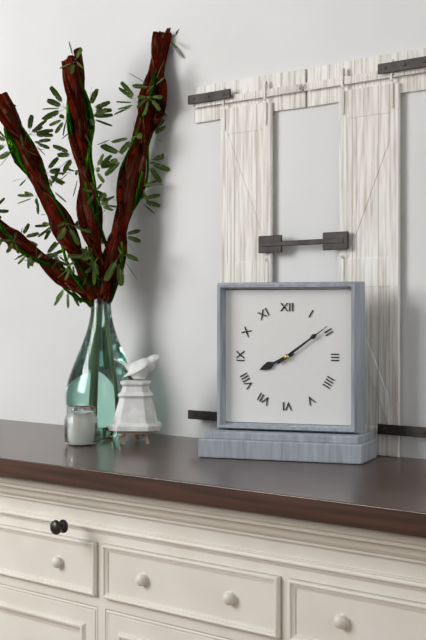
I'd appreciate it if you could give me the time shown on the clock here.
8:09
